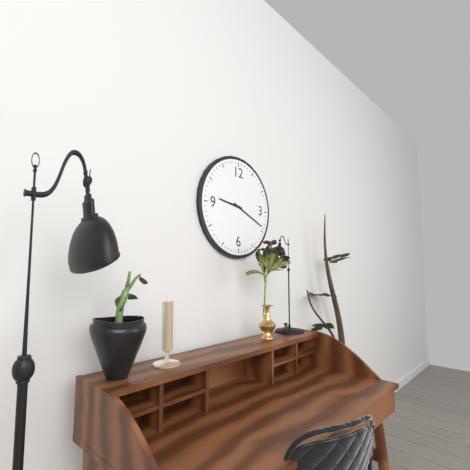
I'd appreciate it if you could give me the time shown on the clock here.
9:19
